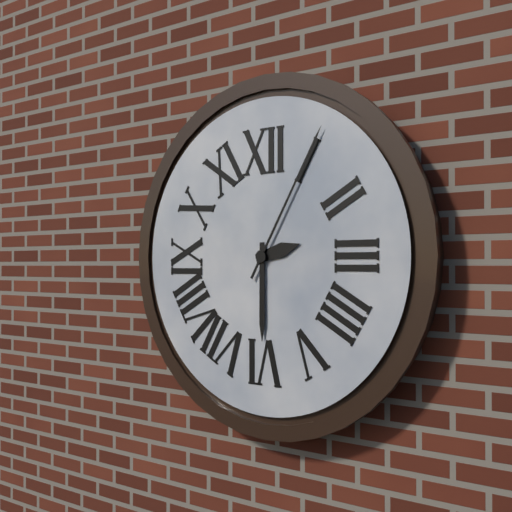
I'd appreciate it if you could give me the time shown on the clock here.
2:30:05
